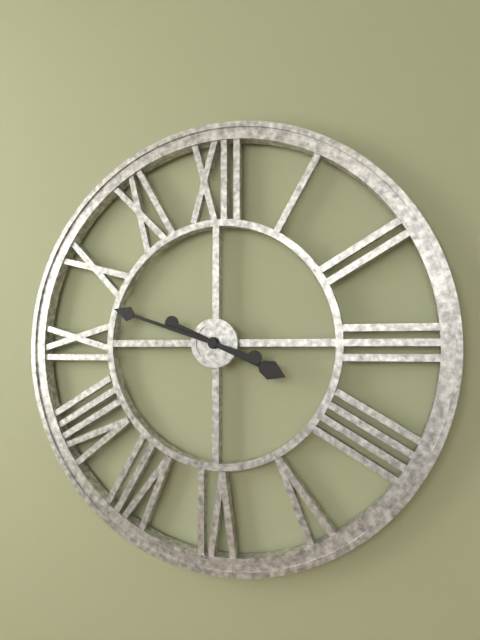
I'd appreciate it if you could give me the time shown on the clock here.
3:48
